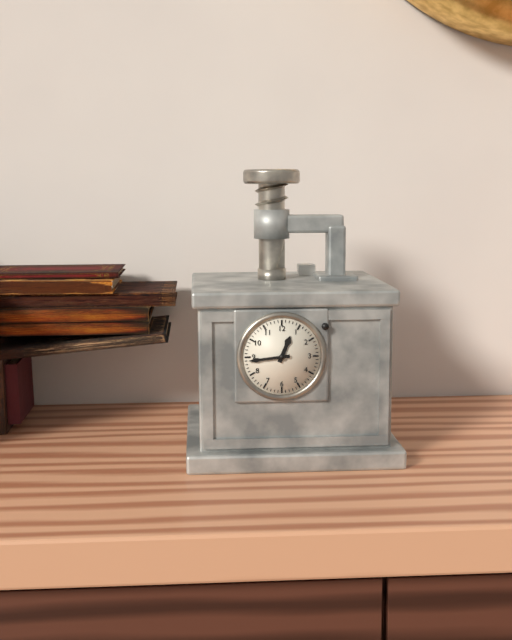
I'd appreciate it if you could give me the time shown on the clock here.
12:44
